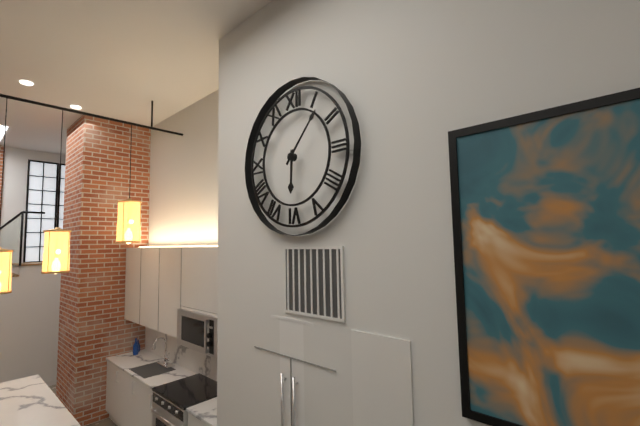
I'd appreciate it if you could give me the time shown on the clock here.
6:07
